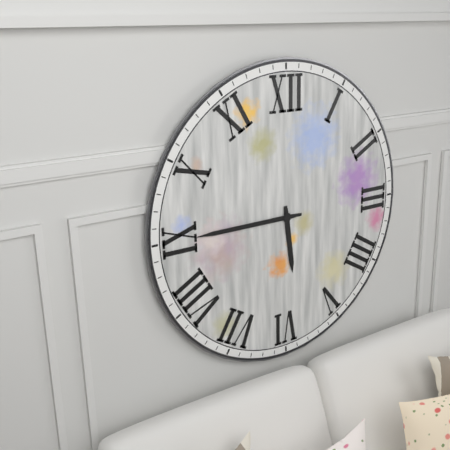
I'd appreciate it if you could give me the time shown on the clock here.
5:45
